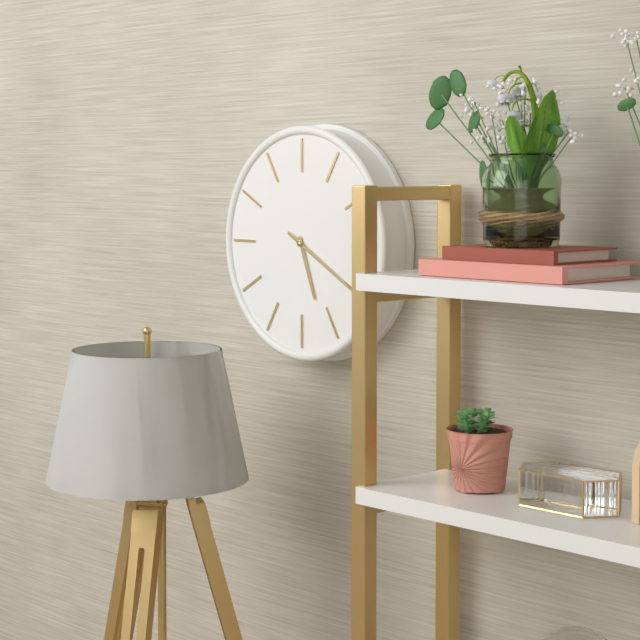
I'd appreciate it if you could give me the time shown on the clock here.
5:20
